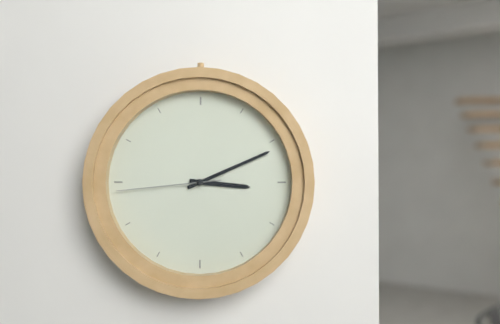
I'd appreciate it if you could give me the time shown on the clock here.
3:11:44
